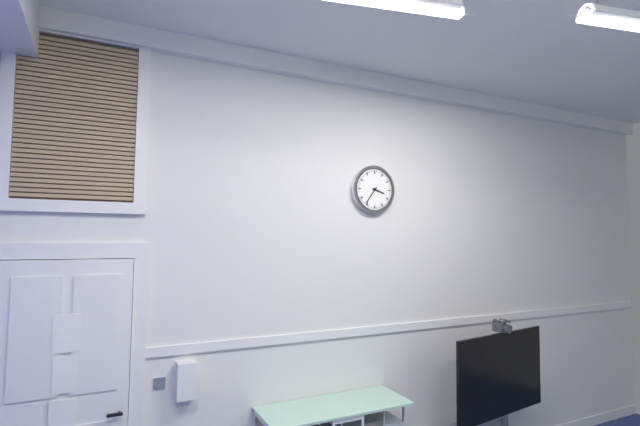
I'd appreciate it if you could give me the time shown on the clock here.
3:36
